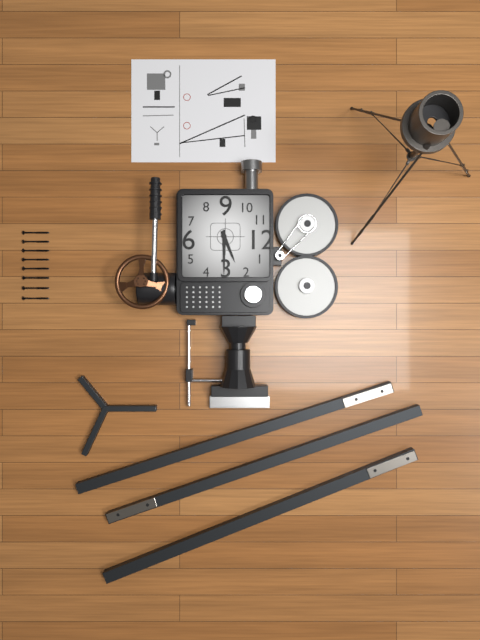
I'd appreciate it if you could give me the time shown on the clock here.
2:15
